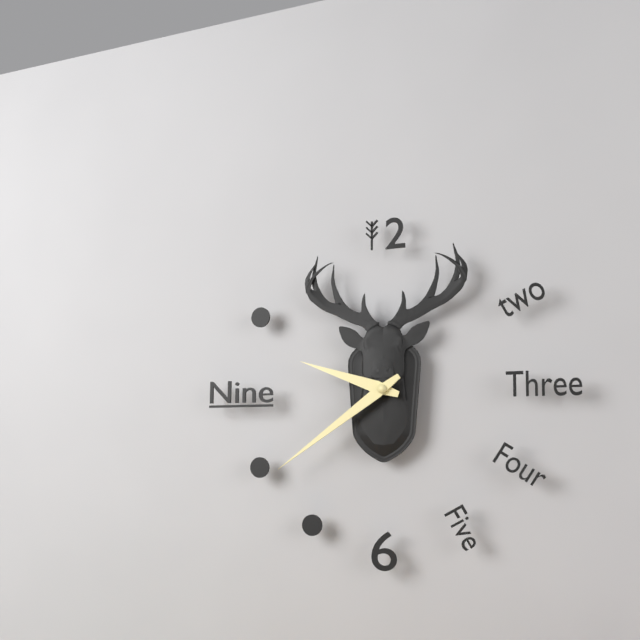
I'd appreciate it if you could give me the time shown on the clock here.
9:39
